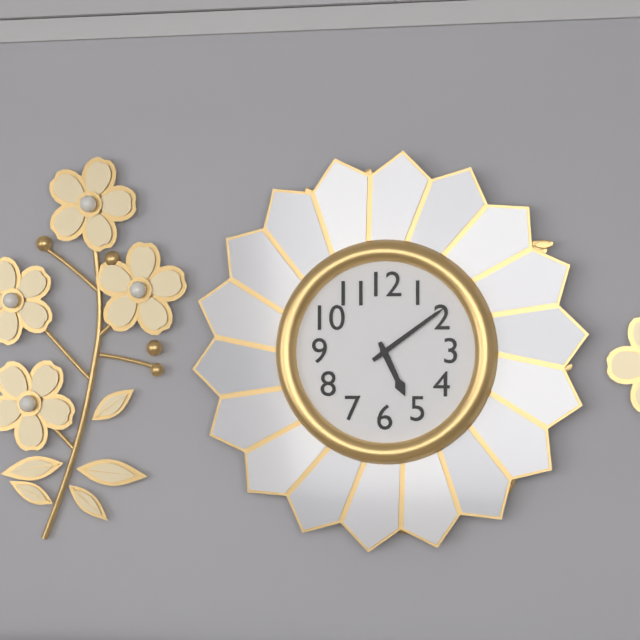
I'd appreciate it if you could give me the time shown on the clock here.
5:09
